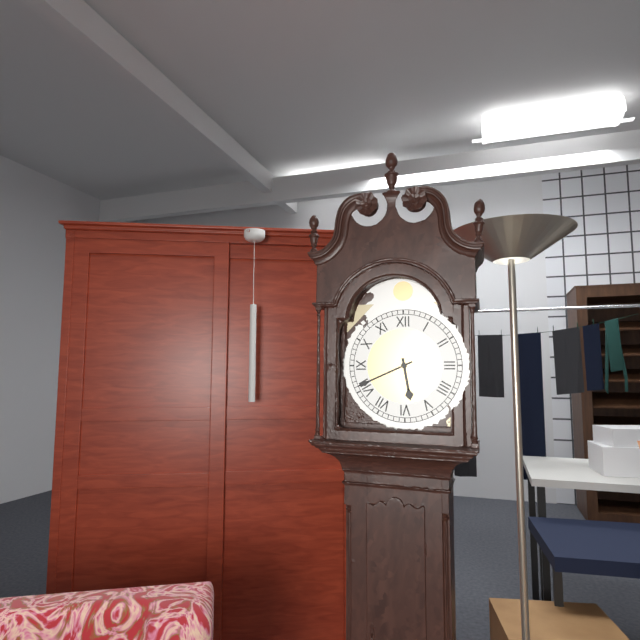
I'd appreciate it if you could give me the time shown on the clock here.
5:41
